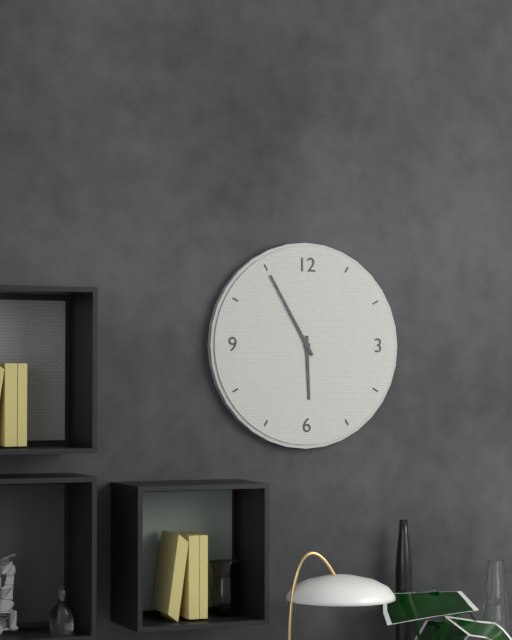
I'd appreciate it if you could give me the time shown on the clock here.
5:55
